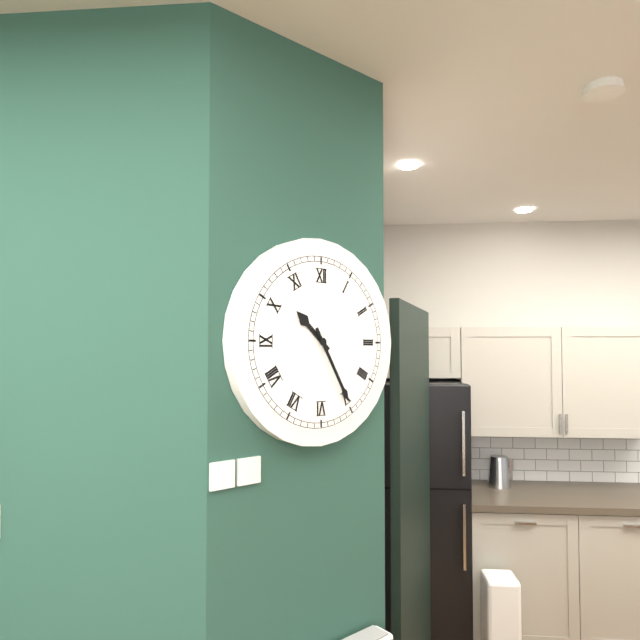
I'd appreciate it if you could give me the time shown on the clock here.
10:25
